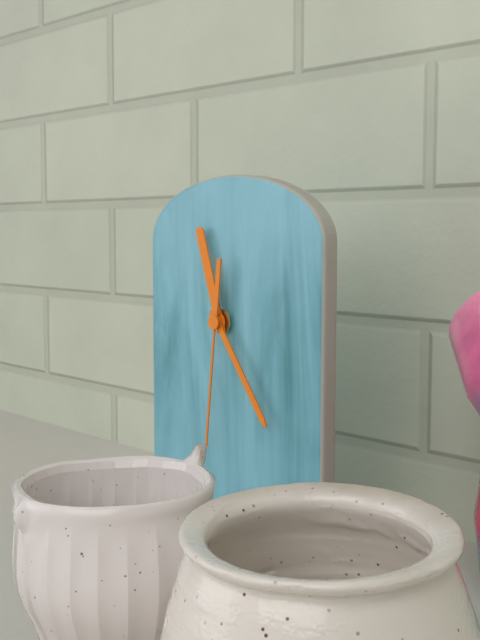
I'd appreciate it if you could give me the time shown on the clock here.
11:24:31
